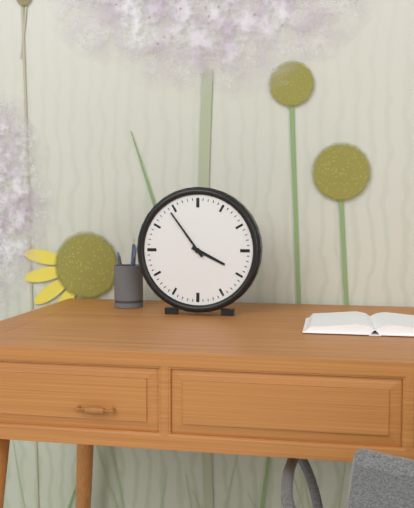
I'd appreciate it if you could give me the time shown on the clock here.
3:54
